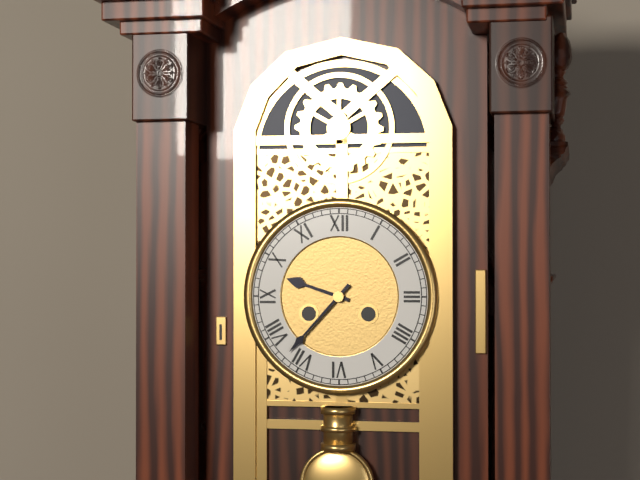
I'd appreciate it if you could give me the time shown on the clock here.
9:37
